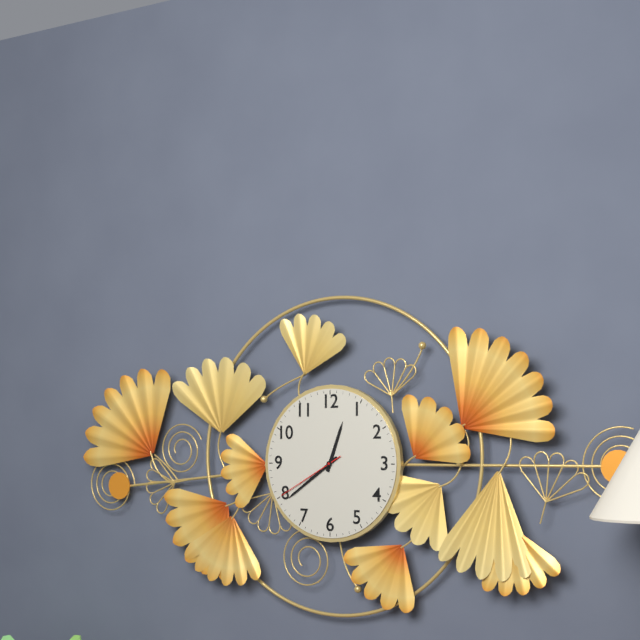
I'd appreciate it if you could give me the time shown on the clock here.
12:39:40
